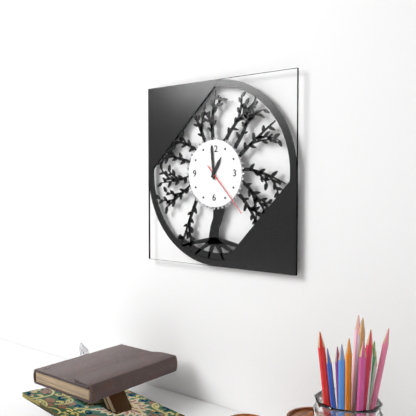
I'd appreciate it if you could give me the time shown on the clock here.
12:59:23
